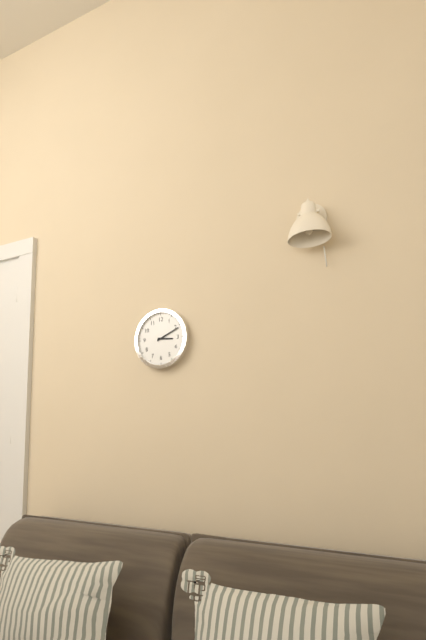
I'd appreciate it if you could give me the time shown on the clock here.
3:11
